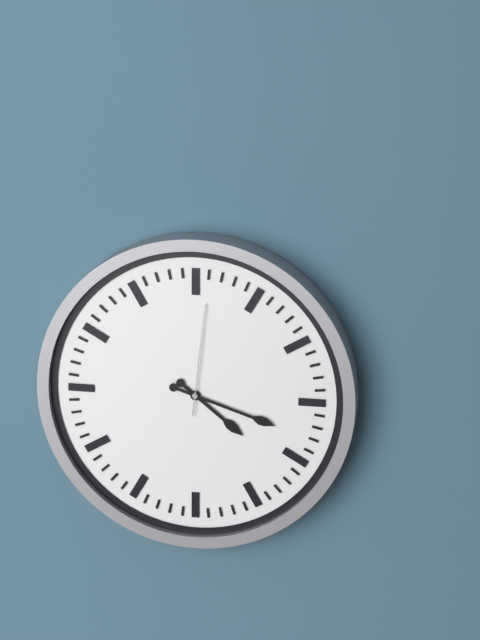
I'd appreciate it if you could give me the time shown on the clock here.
4:18:01
